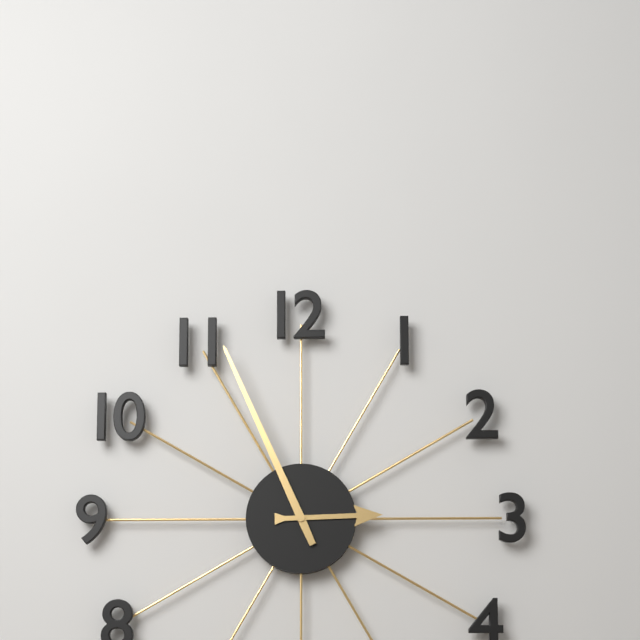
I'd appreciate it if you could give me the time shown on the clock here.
2:56
